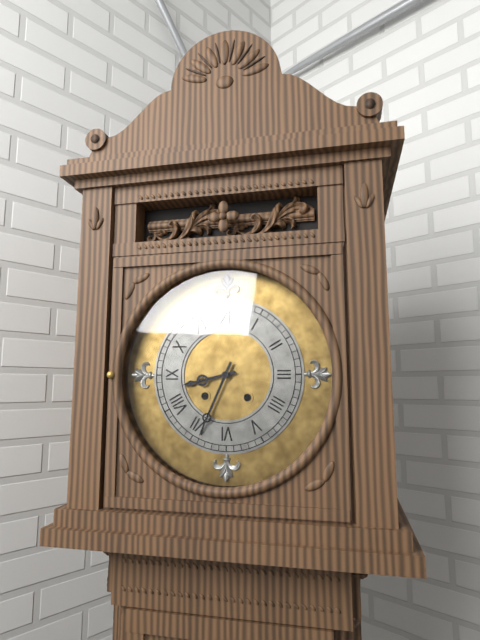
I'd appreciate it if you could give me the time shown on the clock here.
8:34
